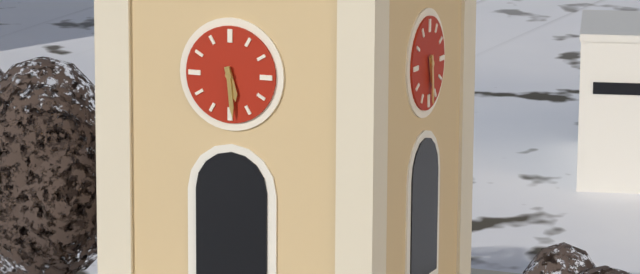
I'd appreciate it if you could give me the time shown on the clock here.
5:29
